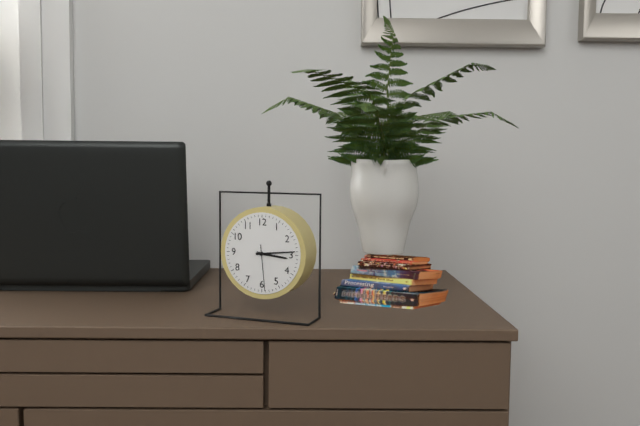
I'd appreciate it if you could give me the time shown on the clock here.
3:14:29
